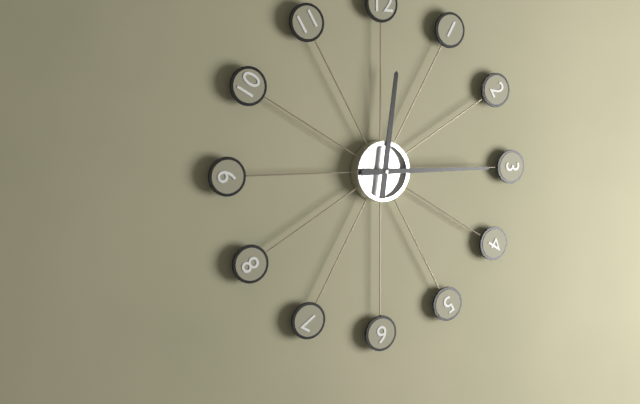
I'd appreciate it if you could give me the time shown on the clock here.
12:15
